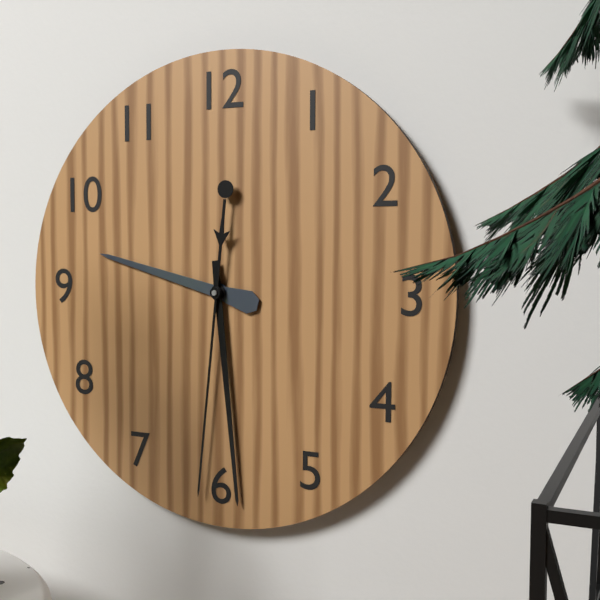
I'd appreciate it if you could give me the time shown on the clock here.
9:29:31
